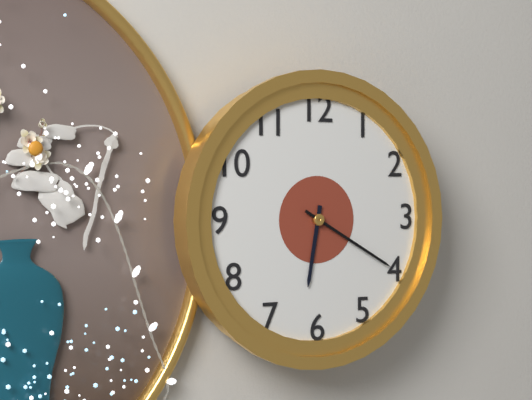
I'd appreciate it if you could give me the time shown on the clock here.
6:20
